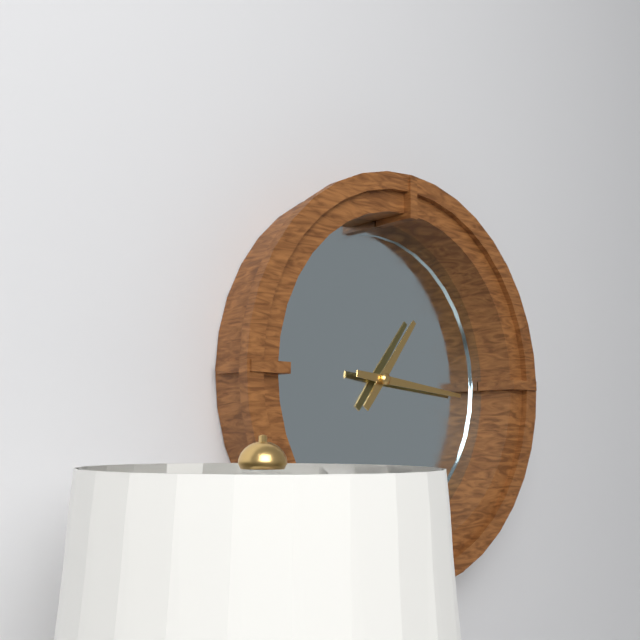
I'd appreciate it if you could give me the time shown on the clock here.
1:16
